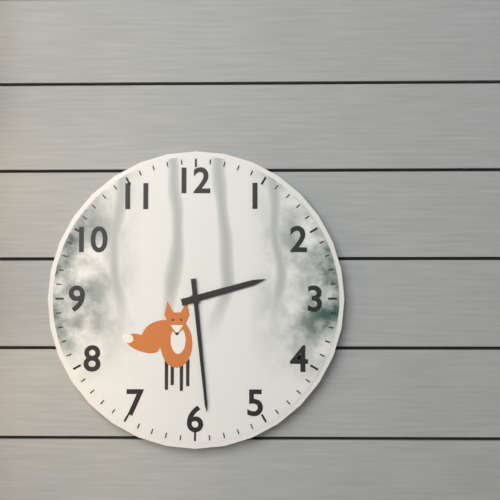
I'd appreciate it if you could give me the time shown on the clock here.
2:29
